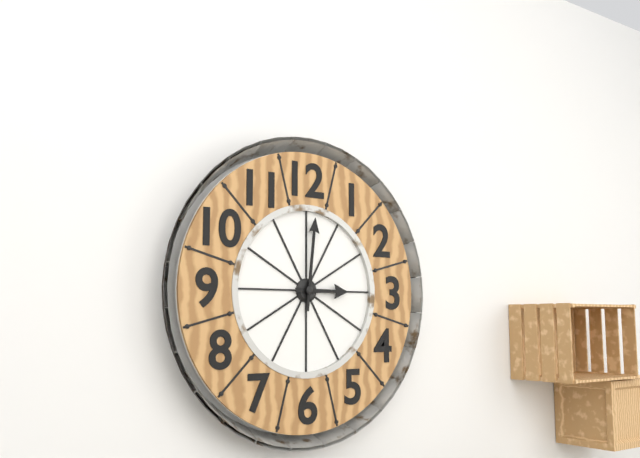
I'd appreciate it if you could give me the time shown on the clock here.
3:01
